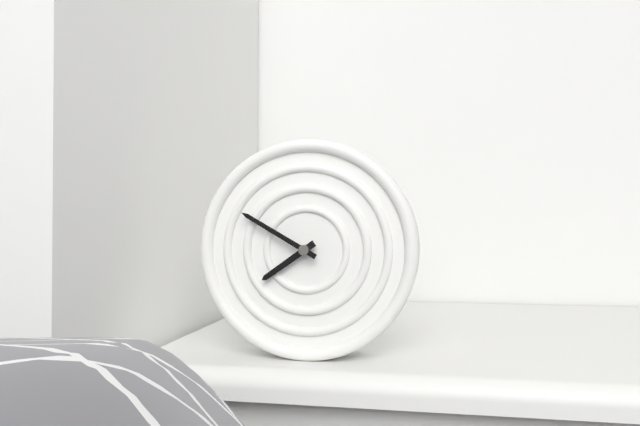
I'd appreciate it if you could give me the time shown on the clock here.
7:50
